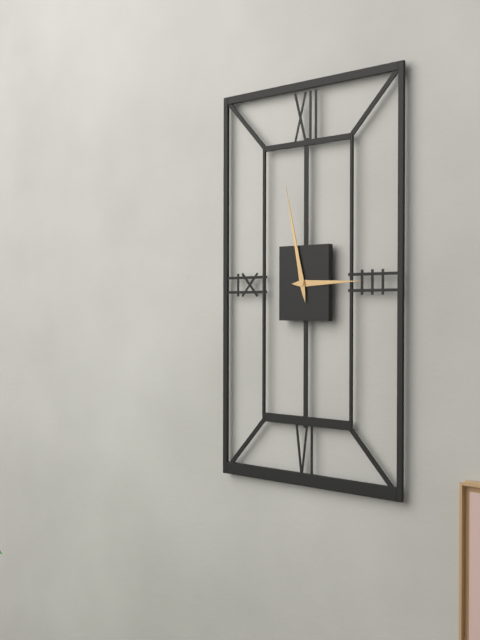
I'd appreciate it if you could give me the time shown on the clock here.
2:58
